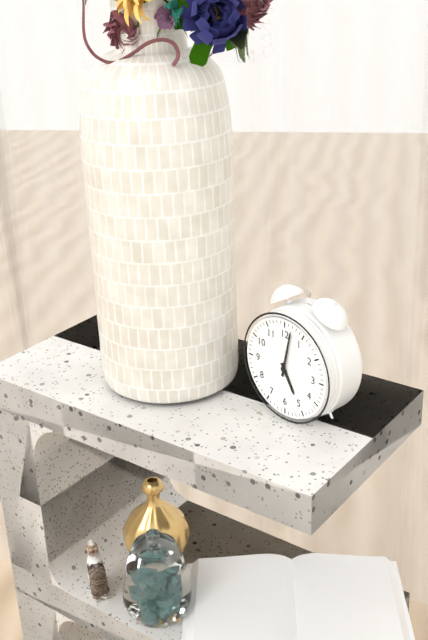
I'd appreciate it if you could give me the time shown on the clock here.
5:02
